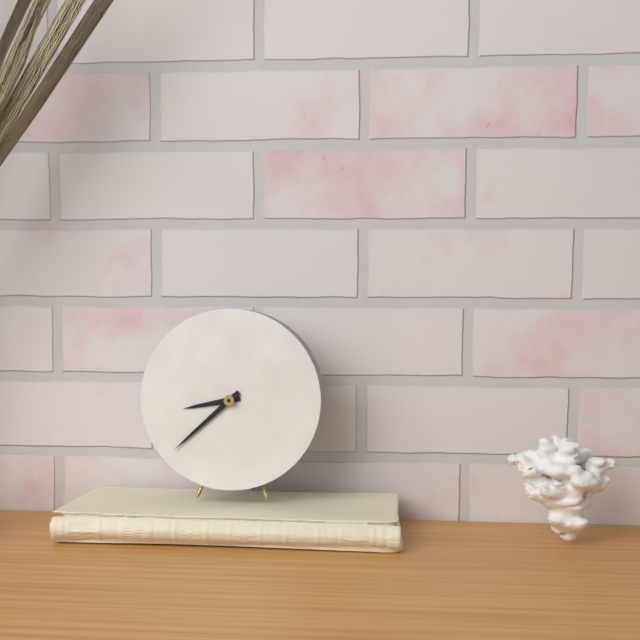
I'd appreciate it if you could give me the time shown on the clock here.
8:38
